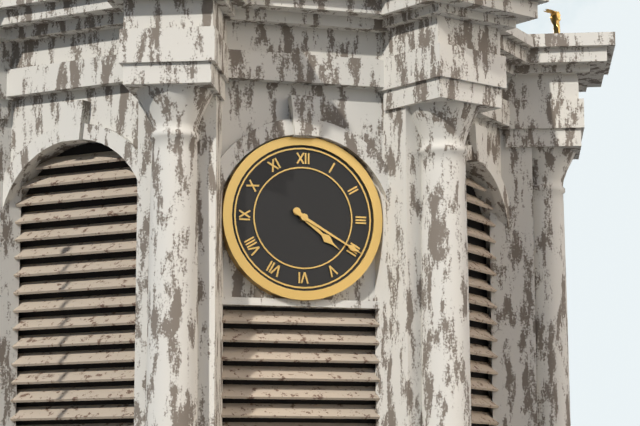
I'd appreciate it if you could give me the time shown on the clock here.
4:20
